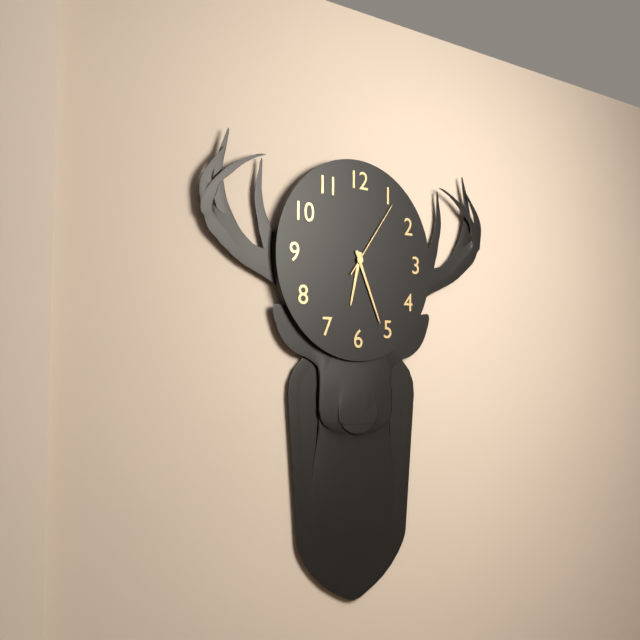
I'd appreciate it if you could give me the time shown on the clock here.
6:26:06
